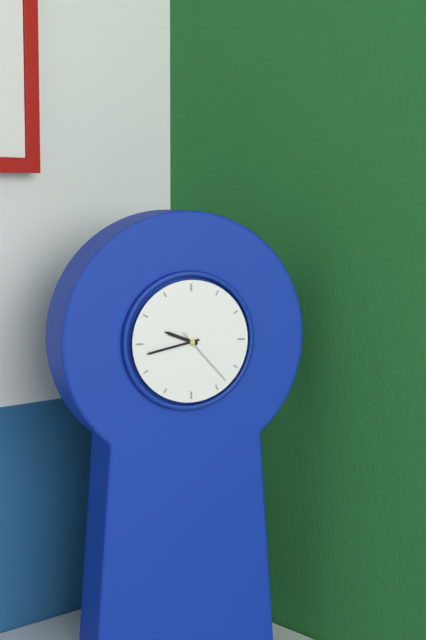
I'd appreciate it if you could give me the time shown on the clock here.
9:43:23
